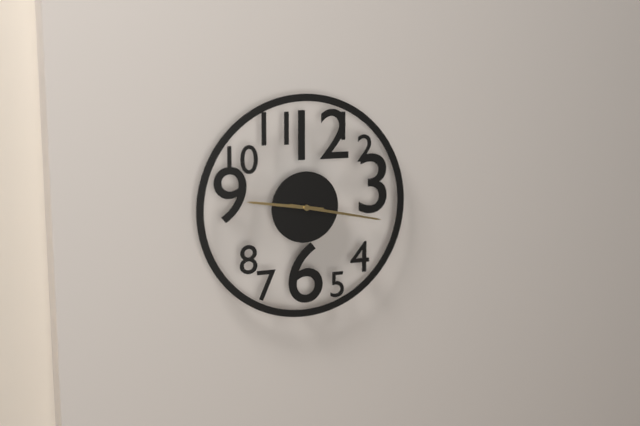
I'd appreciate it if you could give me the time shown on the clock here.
9:17
